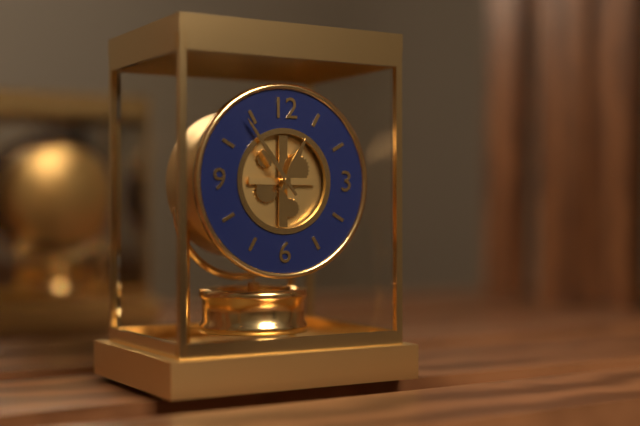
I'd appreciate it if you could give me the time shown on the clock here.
12:54
